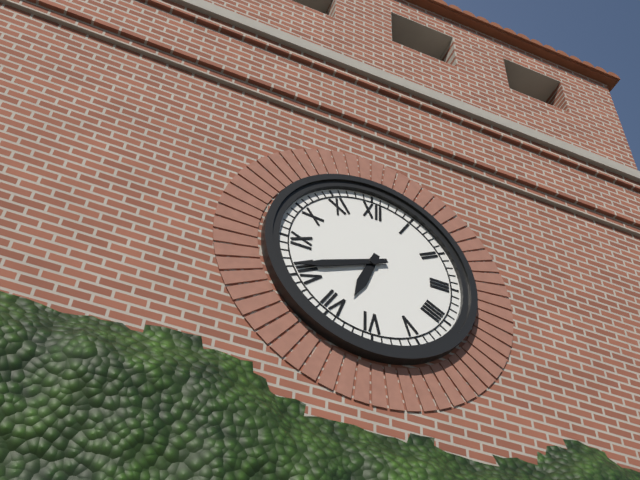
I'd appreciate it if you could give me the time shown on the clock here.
6:41
